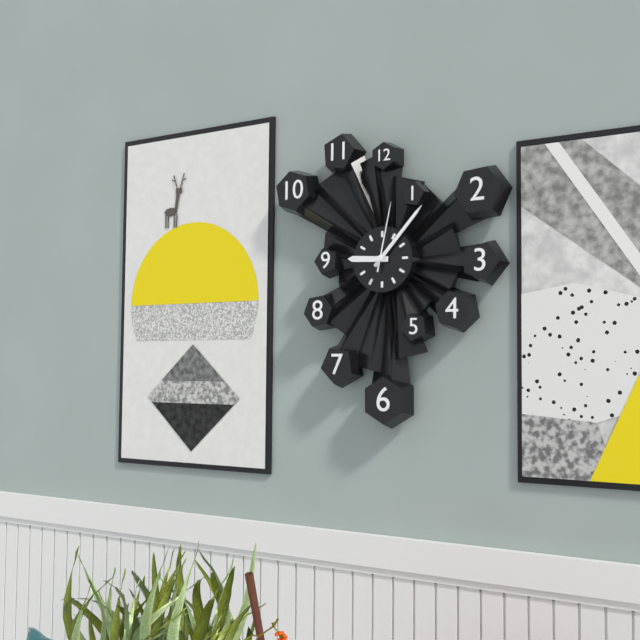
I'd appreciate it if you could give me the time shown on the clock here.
9:07:02
